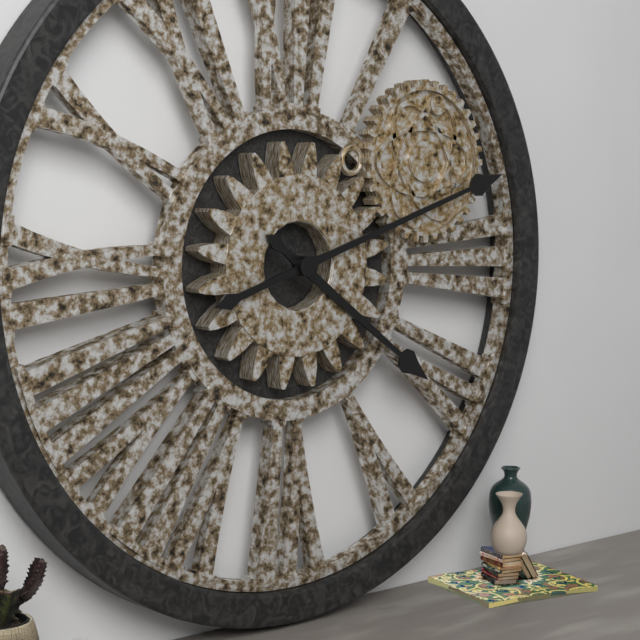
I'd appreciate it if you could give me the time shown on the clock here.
4:12
